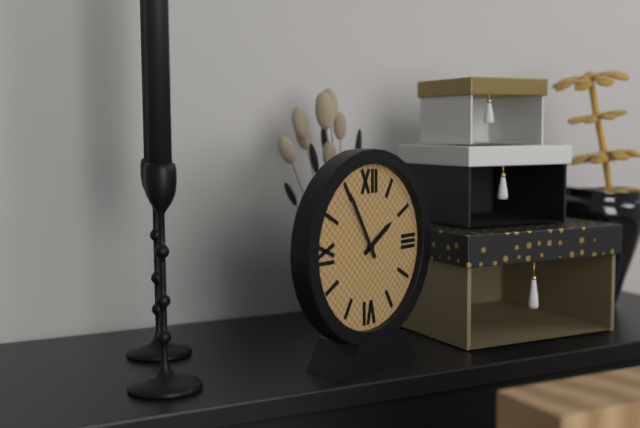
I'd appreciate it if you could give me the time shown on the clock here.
1:55
